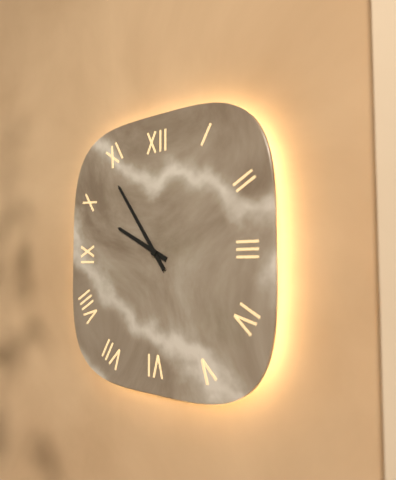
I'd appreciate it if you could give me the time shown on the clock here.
9:54
